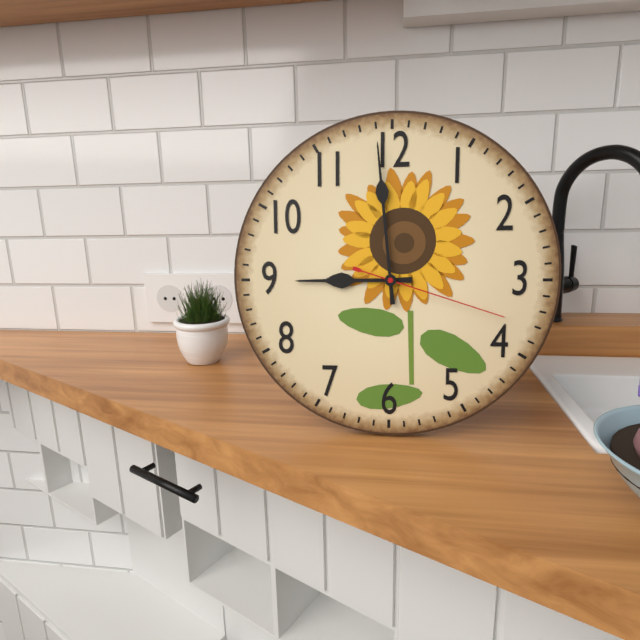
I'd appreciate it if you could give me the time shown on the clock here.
8:59:18
